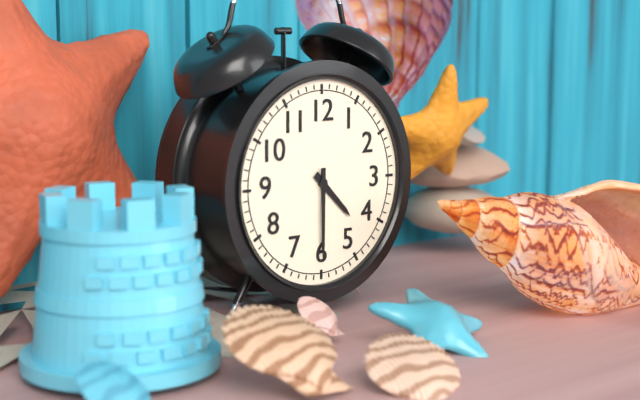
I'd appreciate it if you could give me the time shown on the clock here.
4:30
